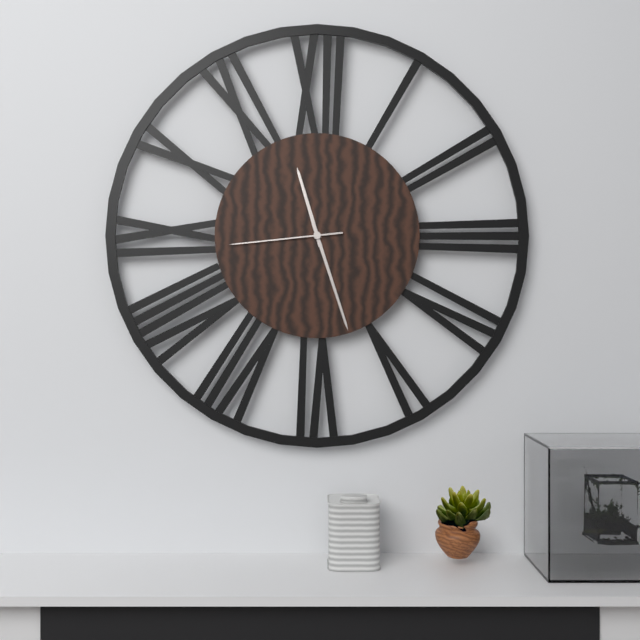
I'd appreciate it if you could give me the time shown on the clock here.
11:27:44
